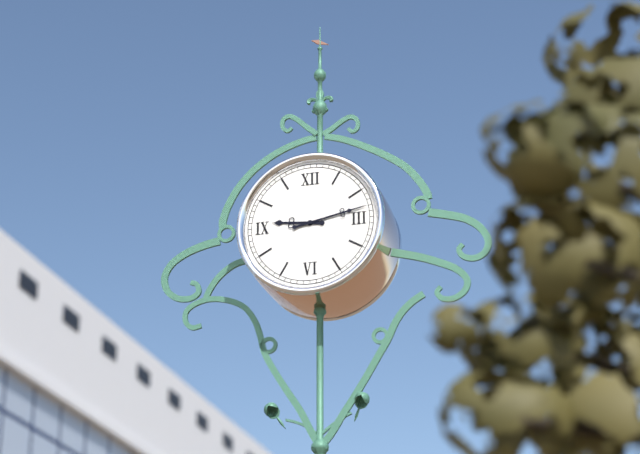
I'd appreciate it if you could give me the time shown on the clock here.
9:13
